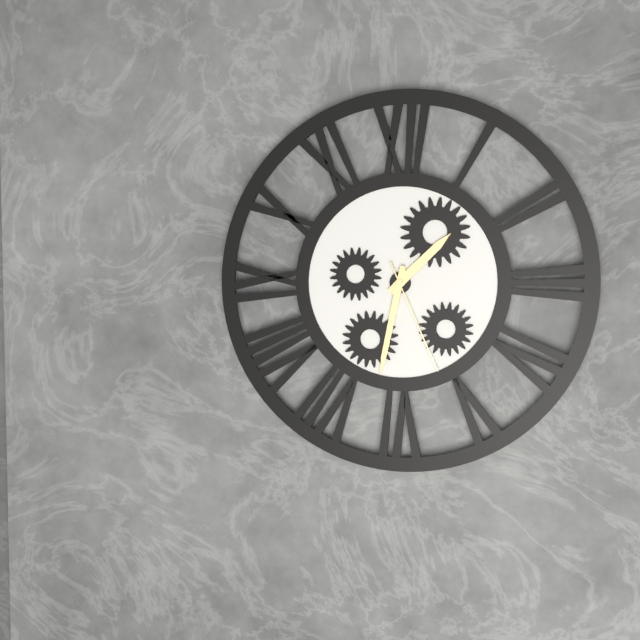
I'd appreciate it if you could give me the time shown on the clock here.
1:32:26
